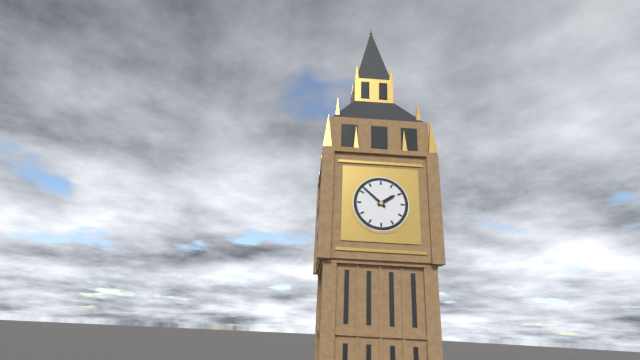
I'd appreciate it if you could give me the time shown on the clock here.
1:52
